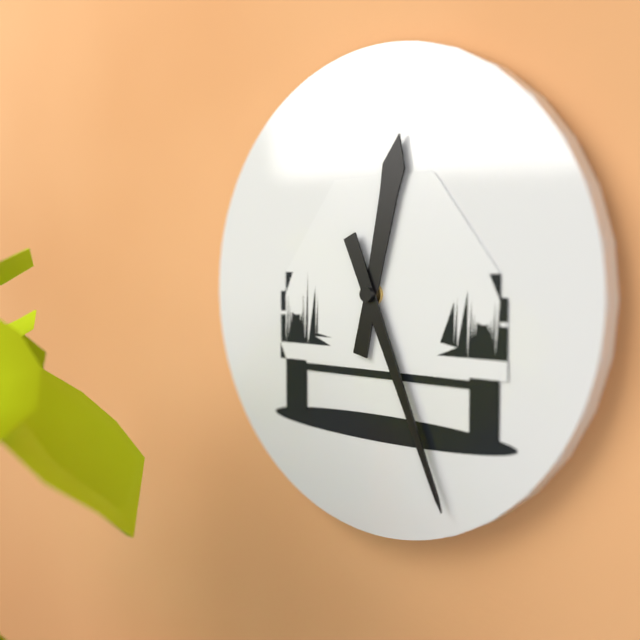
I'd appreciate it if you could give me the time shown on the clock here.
12:26
